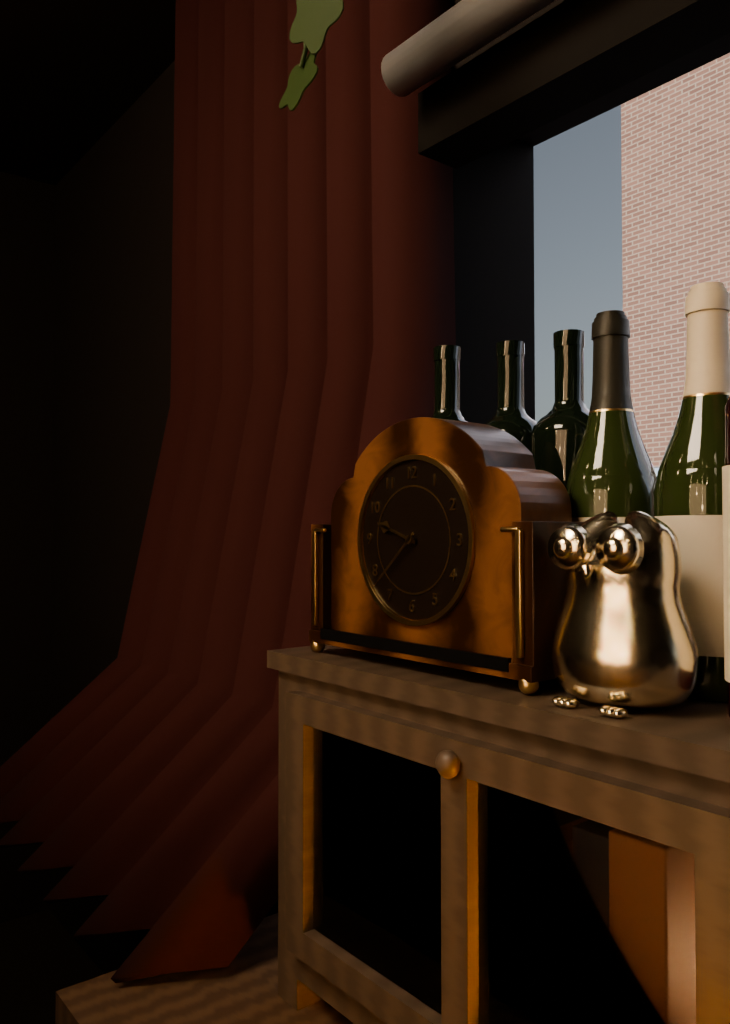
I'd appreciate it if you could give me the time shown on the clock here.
9:38
